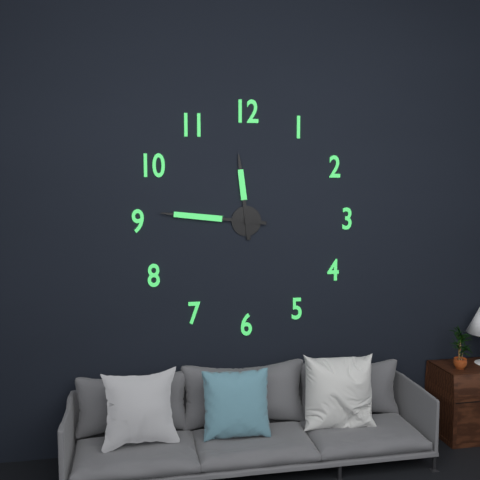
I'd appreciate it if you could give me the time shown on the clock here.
11:46
